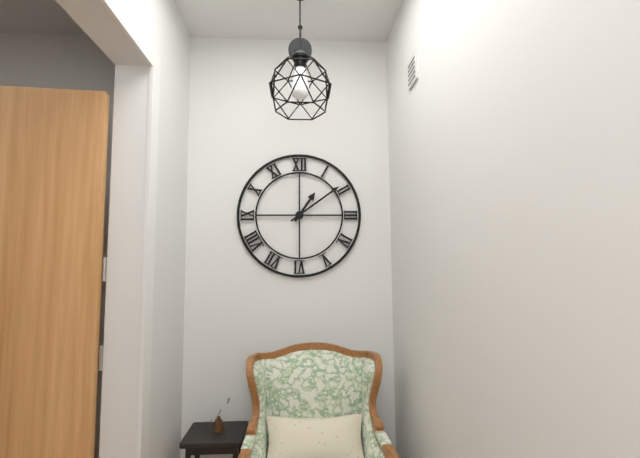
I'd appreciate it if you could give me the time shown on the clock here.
1:09
